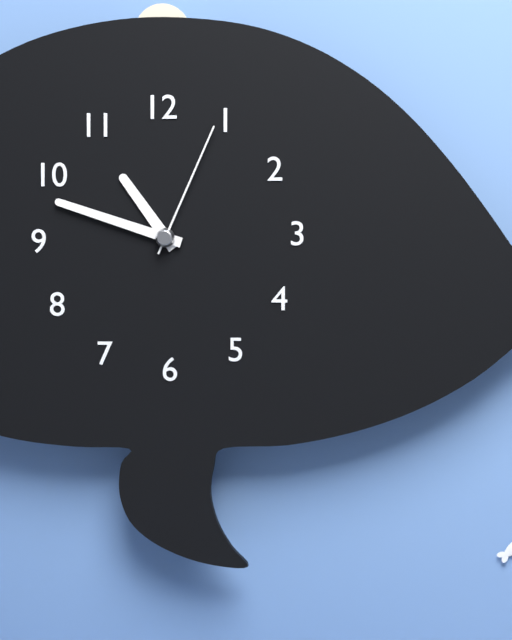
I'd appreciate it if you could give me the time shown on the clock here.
10:48:04
